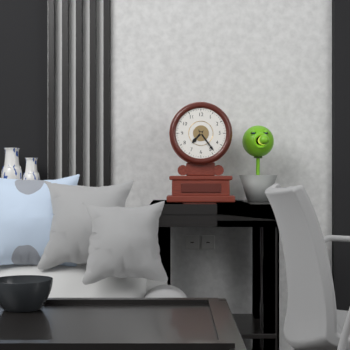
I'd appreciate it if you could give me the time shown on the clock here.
7:24
